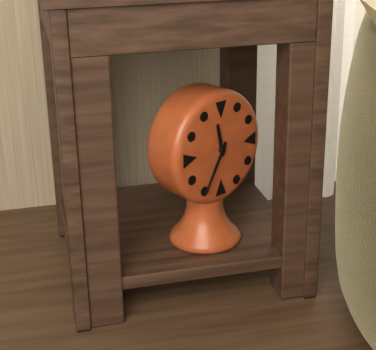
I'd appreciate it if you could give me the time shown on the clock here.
11:35
